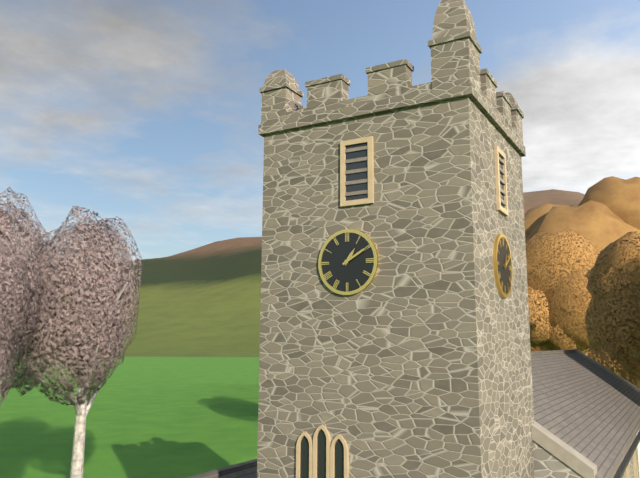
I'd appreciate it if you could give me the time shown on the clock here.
1:10
